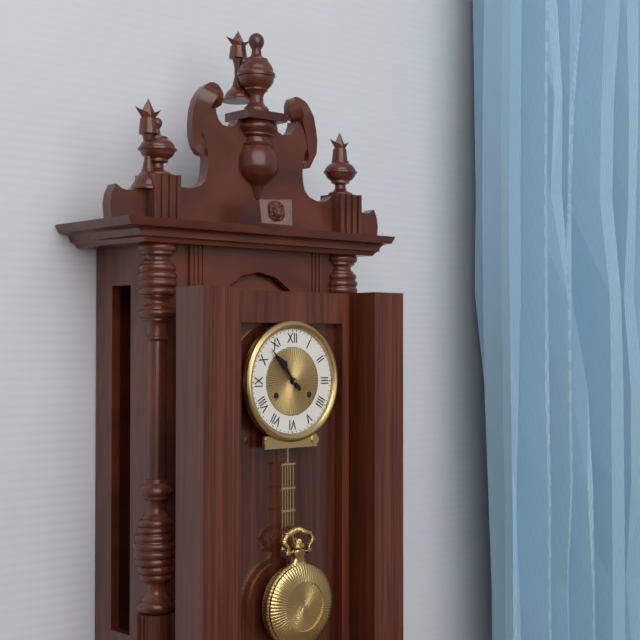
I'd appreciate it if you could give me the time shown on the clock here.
10:53
